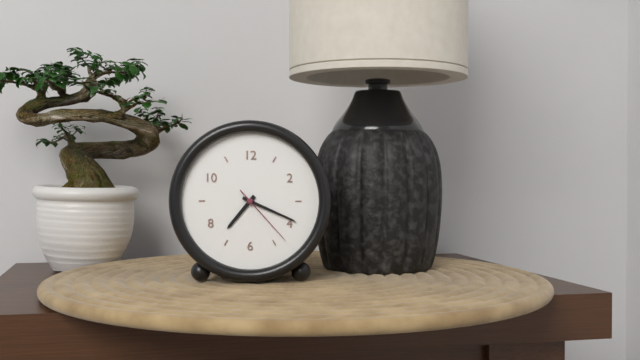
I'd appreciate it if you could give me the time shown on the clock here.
7:19:23
